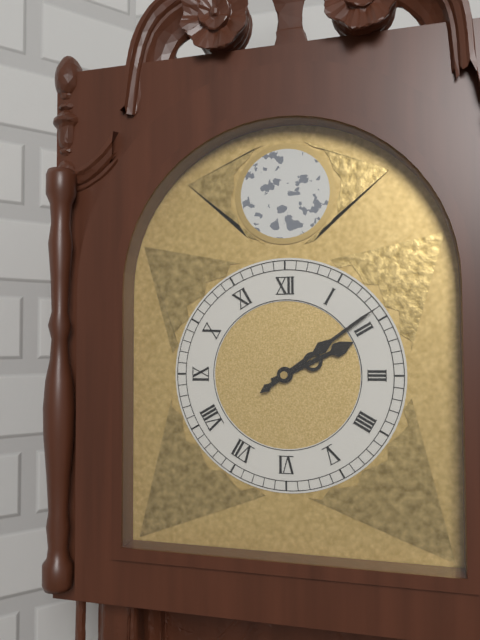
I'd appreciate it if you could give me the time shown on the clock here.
2:09
